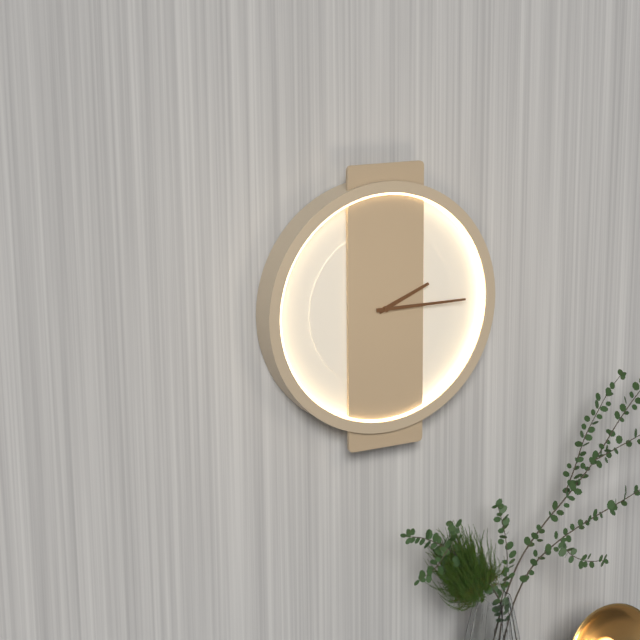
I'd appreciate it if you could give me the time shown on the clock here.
2:15
